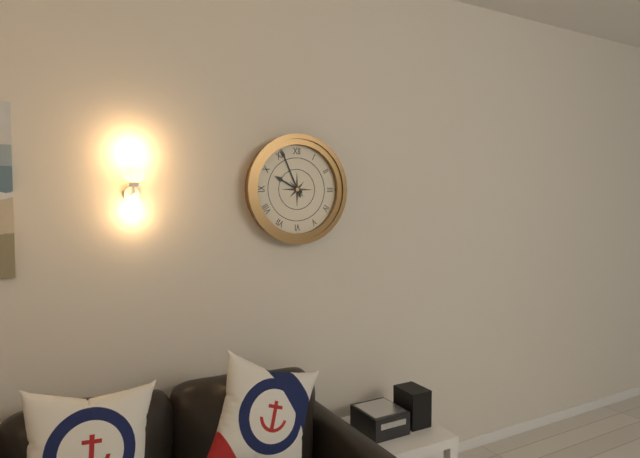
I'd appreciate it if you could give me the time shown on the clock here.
9:56
